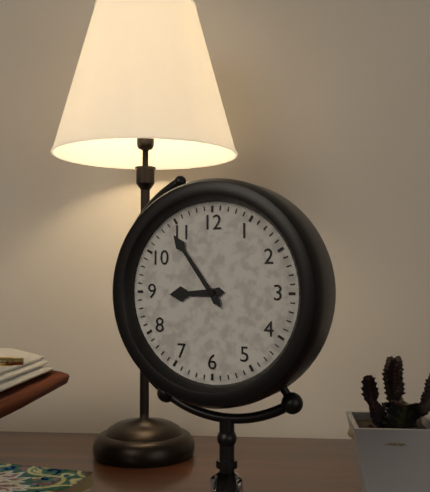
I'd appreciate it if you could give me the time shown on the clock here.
8:54
